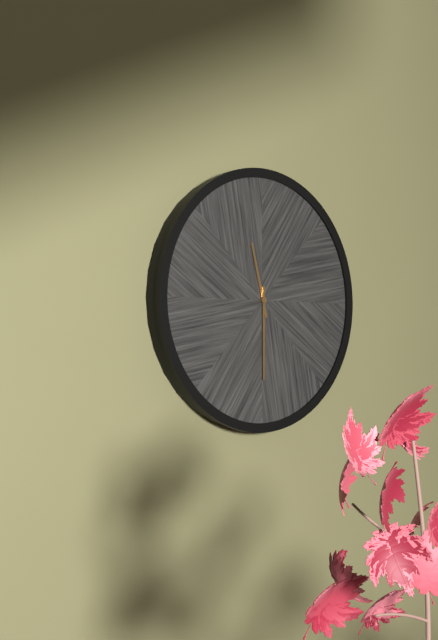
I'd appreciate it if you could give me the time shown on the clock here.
11:30
